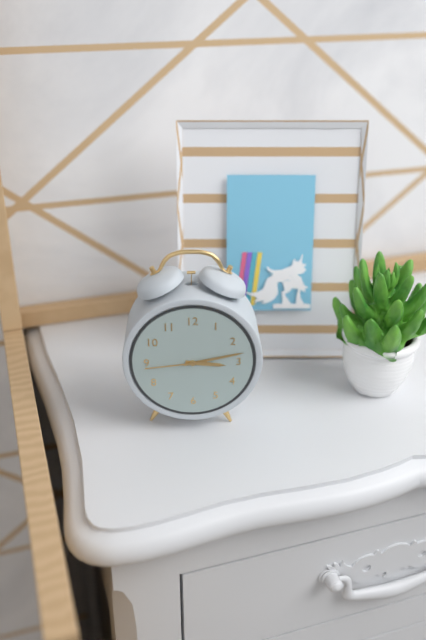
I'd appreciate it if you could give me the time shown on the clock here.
3:13:44
